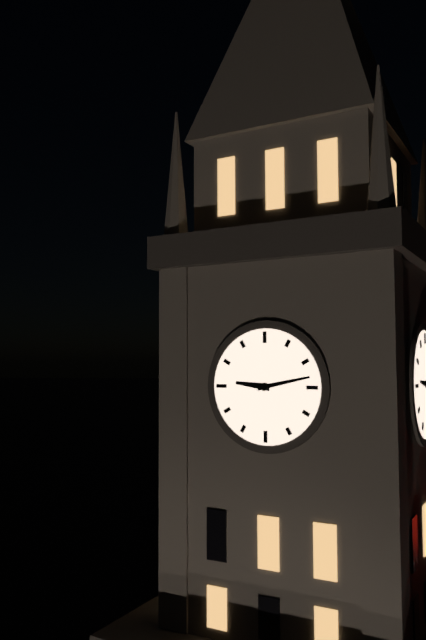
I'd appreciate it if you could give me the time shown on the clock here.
9:13
